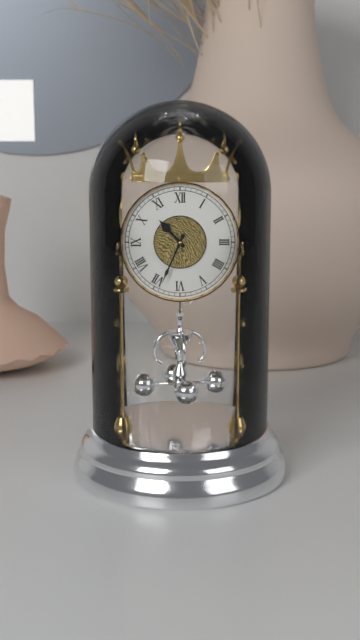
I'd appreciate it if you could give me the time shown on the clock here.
10:34
